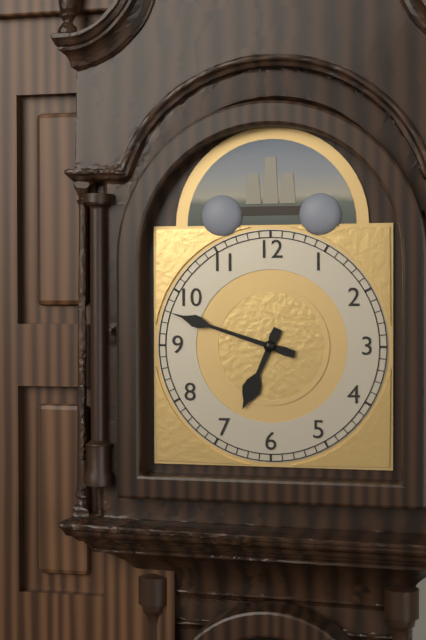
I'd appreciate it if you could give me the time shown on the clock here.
6:48
